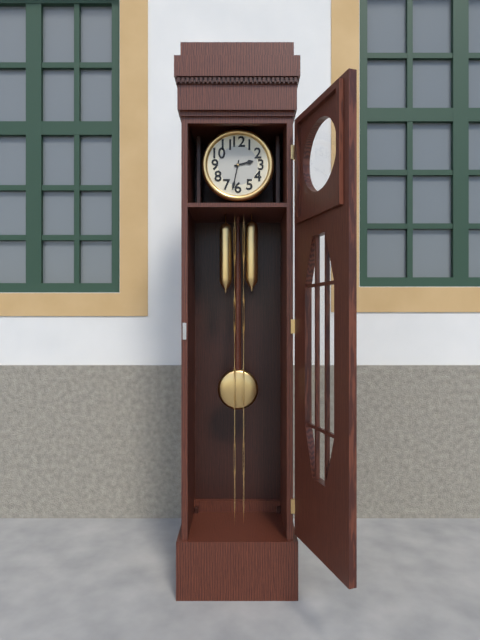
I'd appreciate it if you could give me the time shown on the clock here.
2:32
